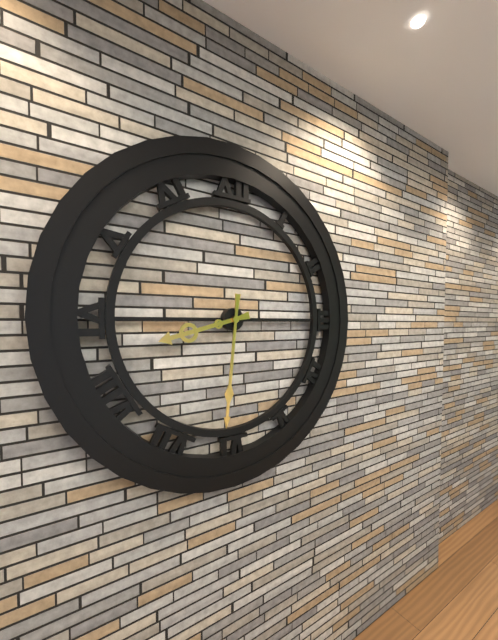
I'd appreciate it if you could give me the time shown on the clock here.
8:31
